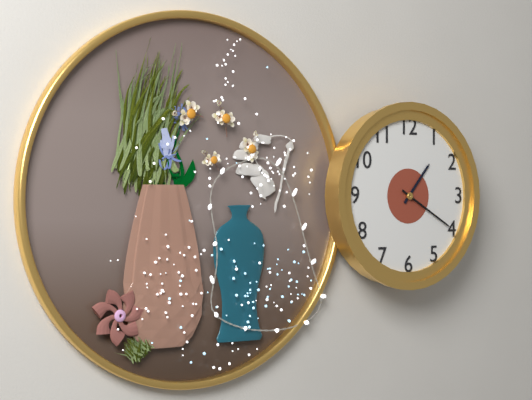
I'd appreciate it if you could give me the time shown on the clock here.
1:20
